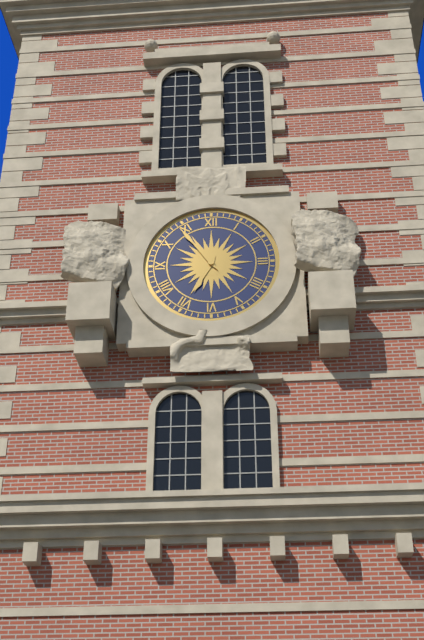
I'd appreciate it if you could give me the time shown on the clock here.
6:54
